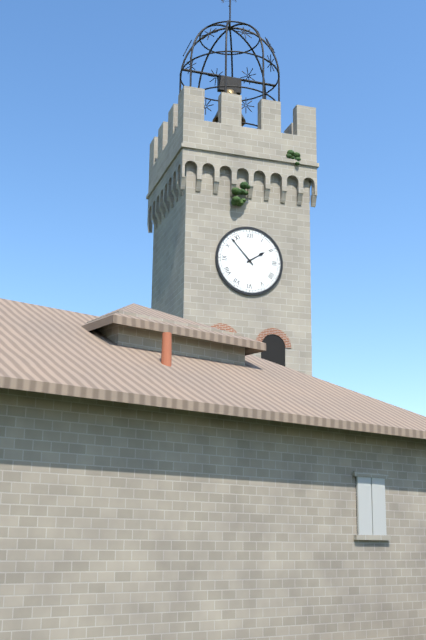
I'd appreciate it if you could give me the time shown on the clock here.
1:53
